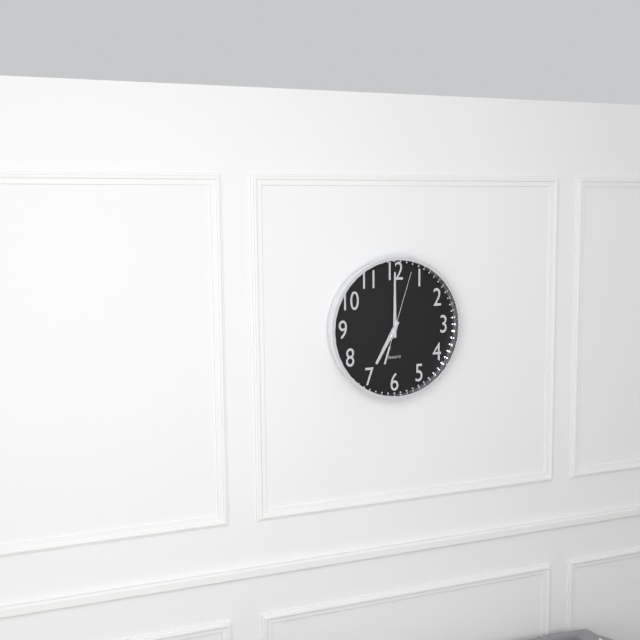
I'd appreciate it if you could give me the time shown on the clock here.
7:00:03
